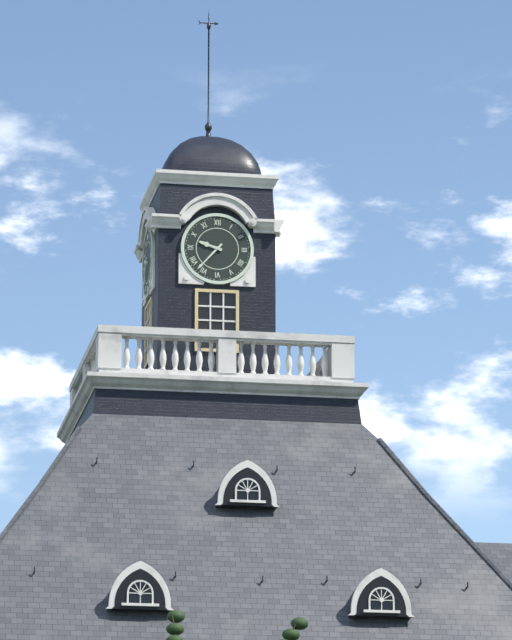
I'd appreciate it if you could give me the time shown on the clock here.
9:37
